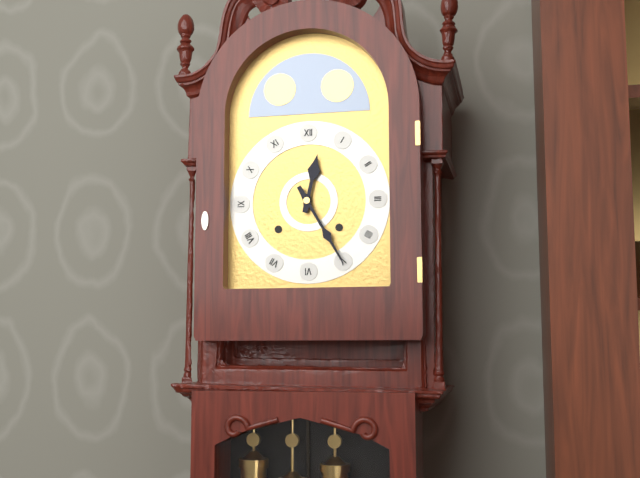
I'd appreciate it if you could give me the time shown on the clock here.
12:25
